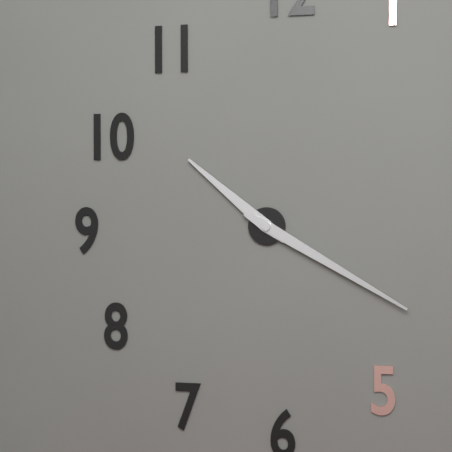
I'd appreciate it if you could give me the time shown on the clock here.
10:20
